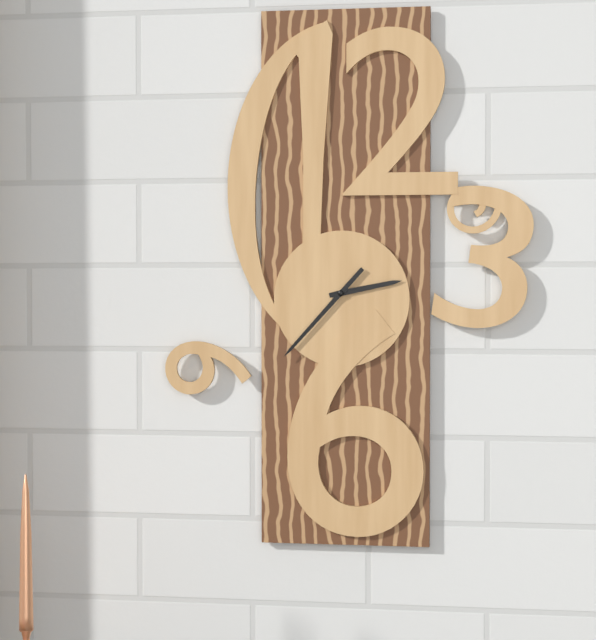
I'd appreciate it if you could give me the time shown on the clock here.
2:37
